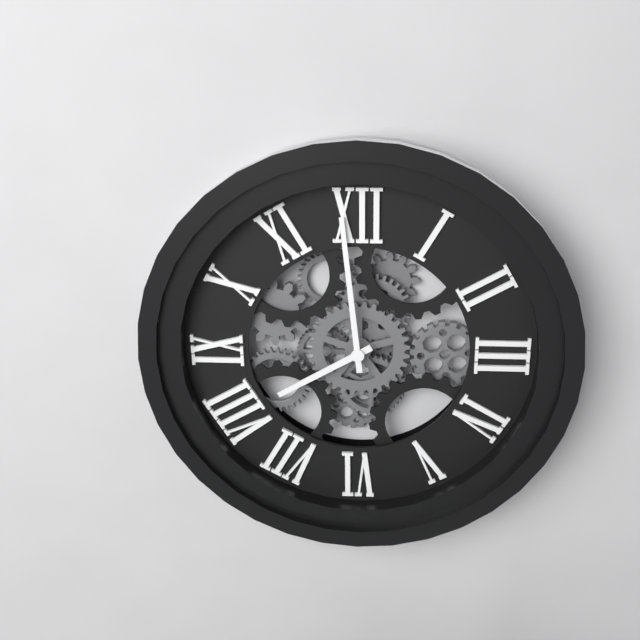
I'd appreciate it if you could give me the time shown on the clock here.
7:59
